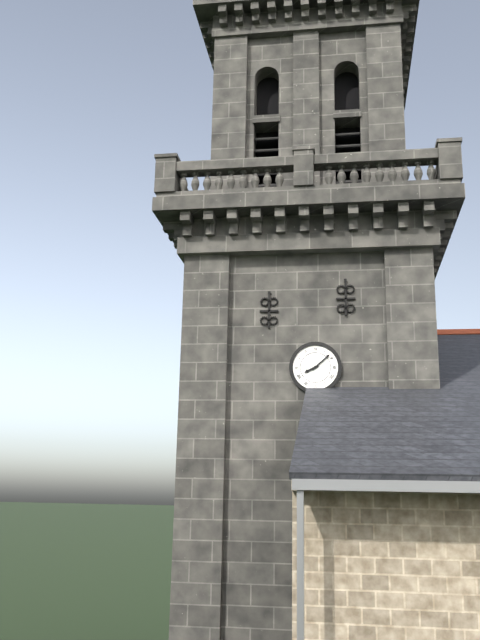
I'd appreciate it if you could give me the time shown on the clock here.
8:08
